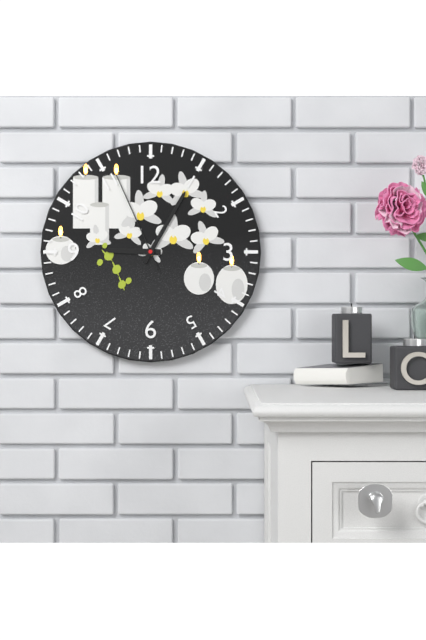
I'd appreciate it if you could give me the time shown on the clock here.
9:05:56
